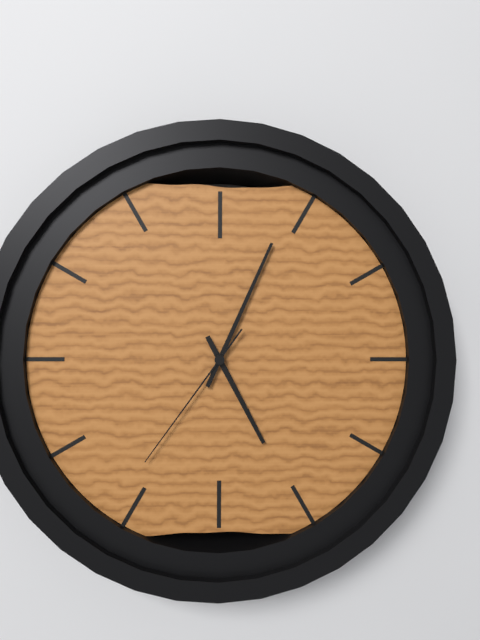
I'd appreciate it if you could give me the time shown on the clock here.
5:04:36
